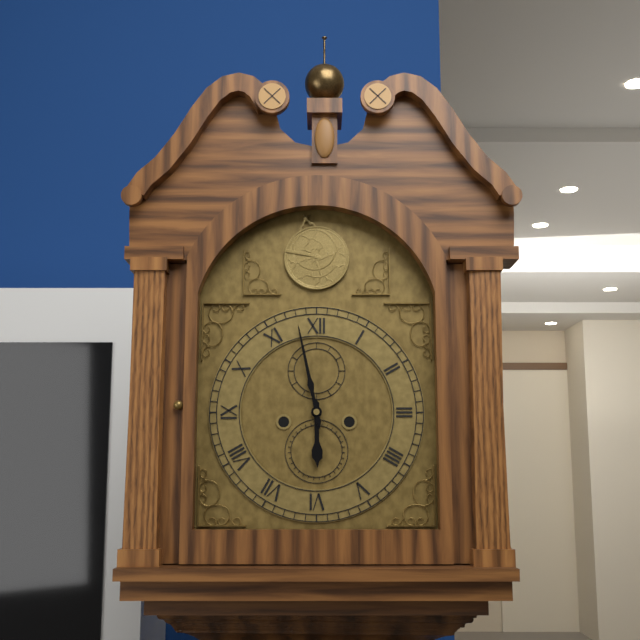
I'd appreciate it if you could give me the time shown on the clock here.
5:58
